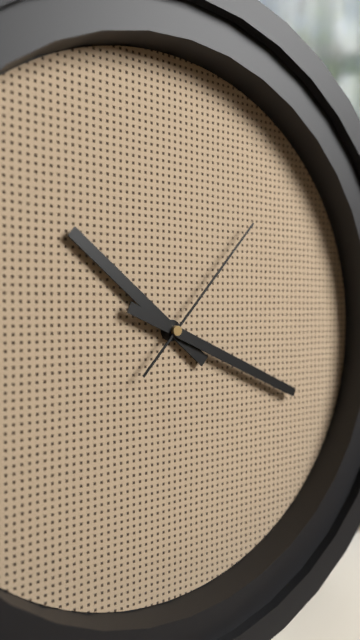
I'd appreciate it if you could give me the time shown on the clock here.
10:19:07
